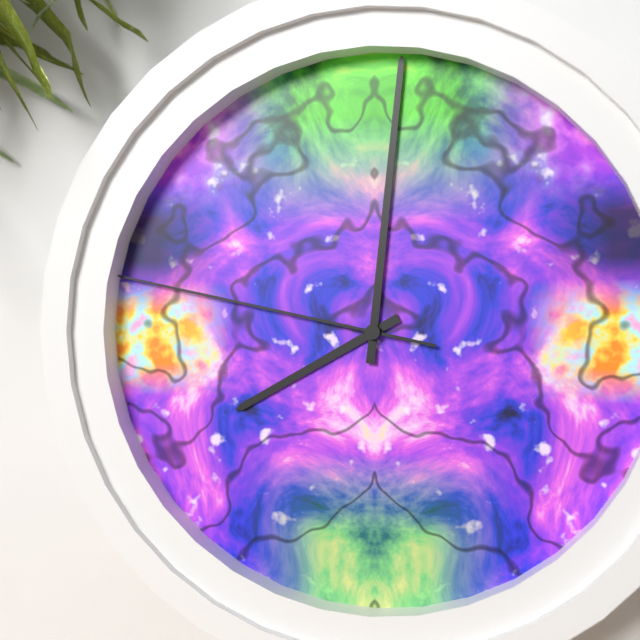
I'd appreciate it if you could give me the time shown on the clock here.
8:01:47
